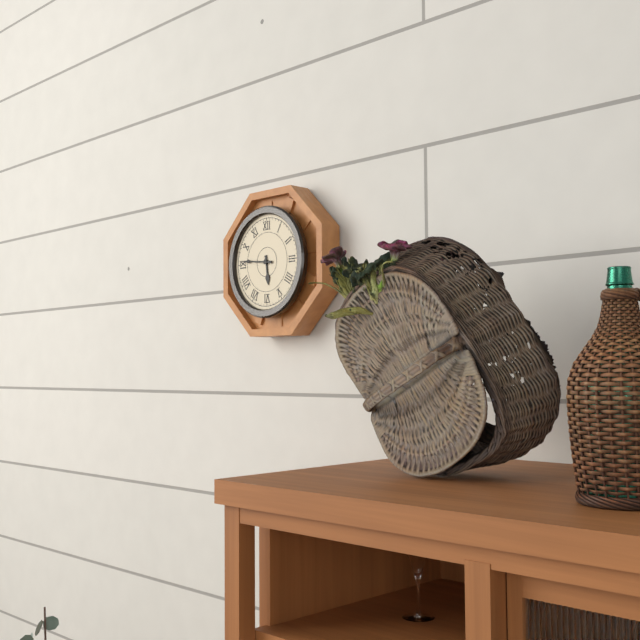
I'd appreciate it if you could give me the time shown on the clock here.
5:46
